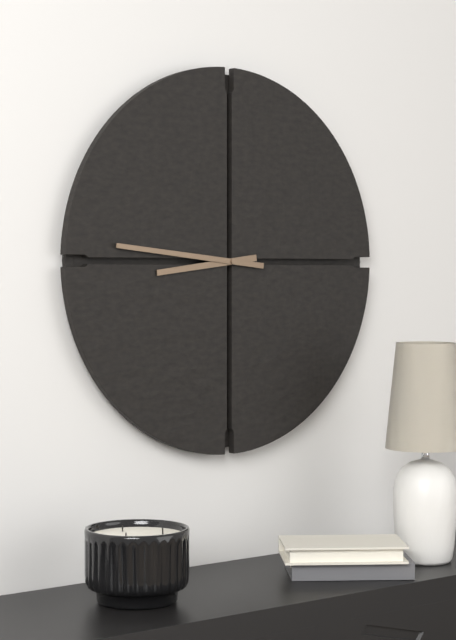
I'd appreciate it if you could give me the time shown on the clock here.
8:46
